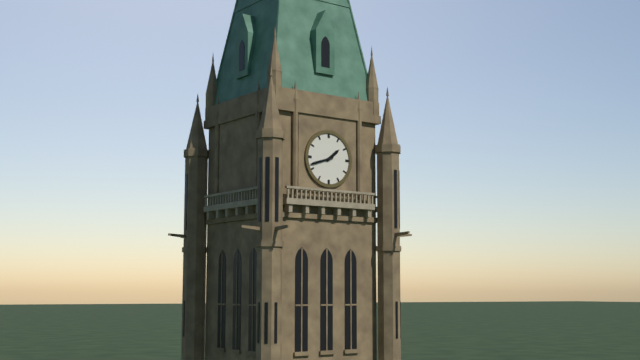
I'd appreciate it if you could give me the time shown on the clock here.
1:42
